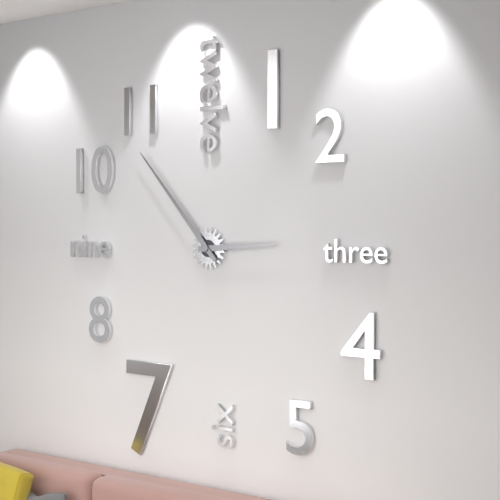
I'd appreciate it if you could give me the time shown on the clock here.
2:53
